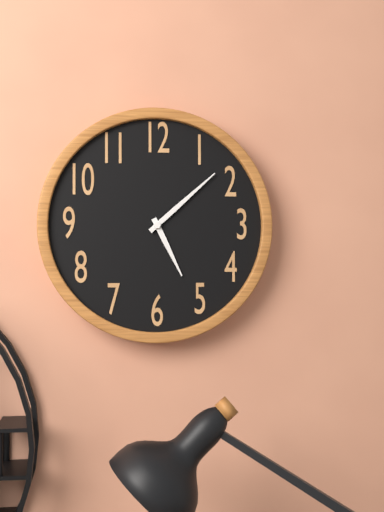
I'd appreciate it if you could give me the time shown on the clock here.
5:08
